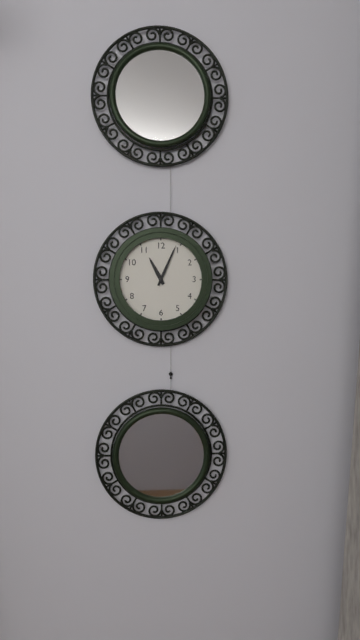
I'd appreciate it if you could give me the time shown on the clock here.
11:04
